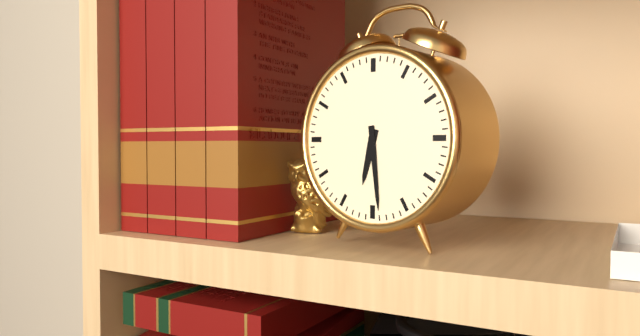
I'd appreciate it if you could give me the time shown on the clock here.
6:29
